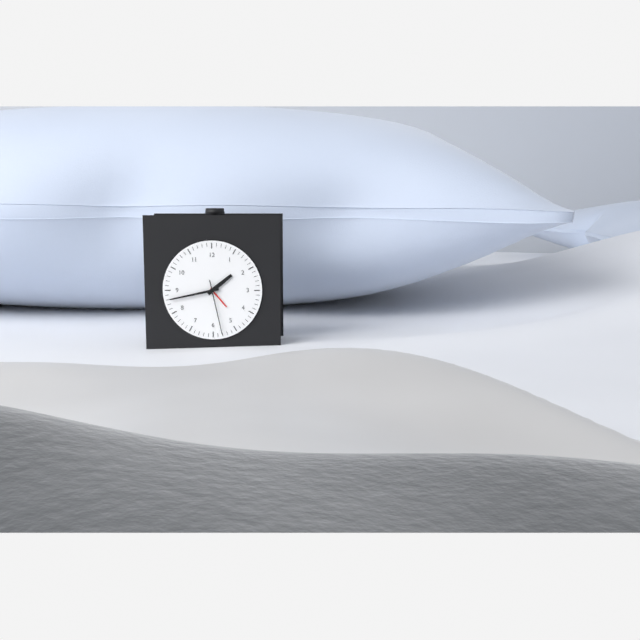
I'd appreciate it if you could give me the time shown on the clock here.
1:43:28
